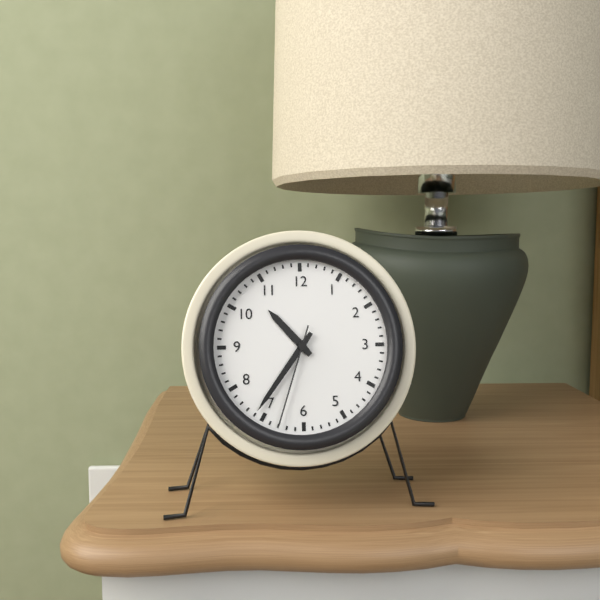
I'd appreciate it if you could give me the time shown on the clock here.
10:36:33
